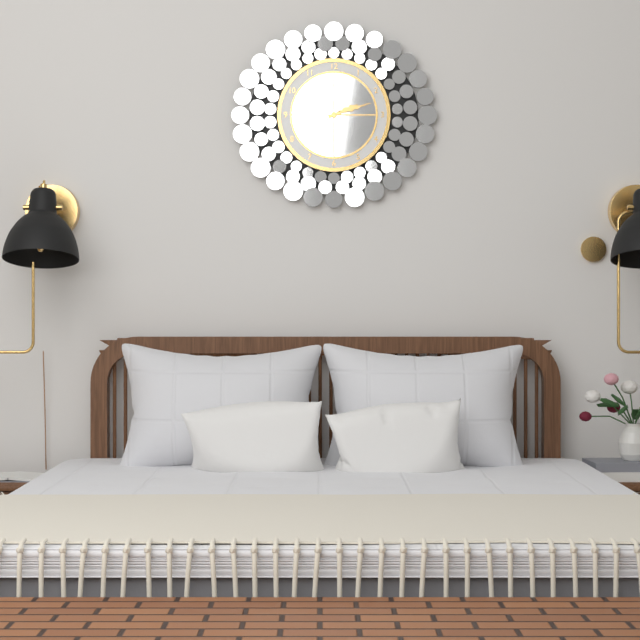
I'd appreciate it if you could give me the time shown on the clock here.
2:12
